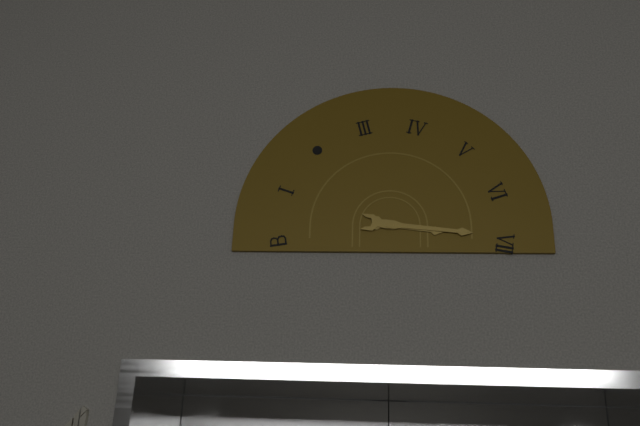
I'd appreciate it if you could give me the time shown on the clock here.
3:16
